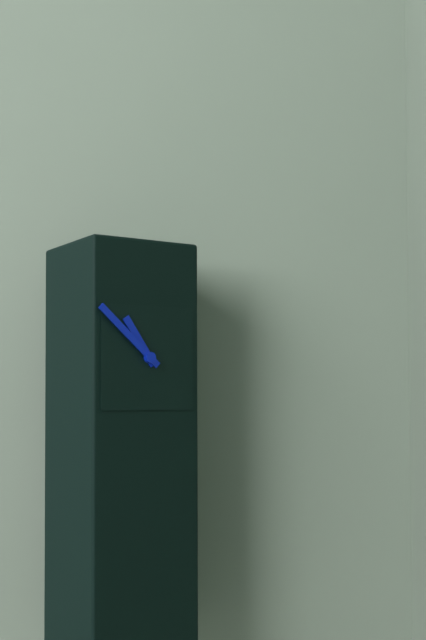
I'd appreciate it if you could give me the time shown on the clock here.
10:52
